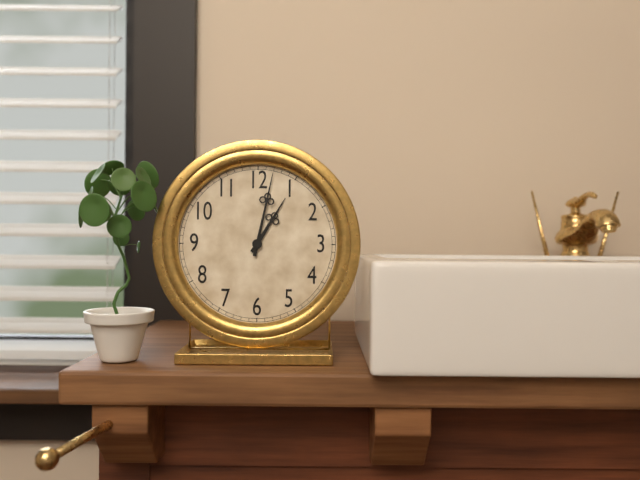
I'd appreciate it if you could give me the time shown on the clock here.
1:02
